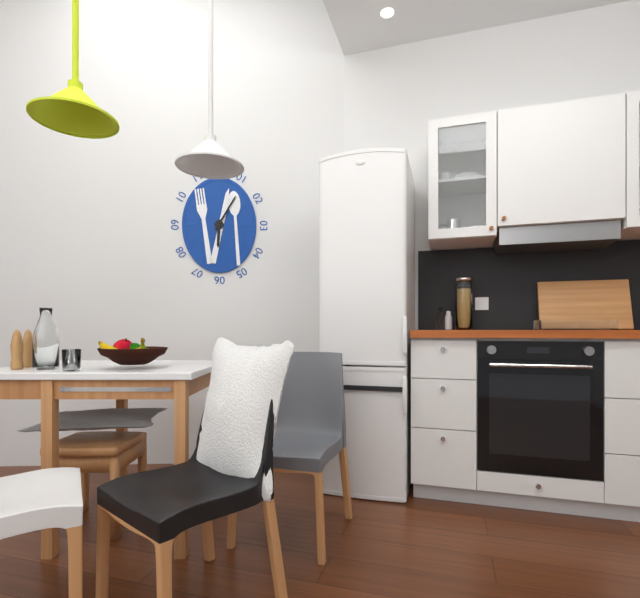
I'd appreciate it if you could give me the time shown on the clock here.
6:05
